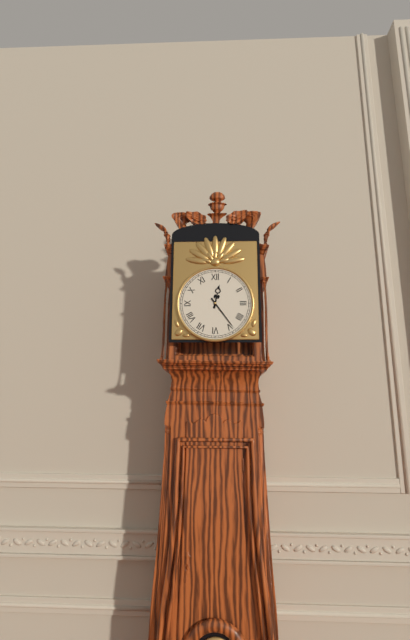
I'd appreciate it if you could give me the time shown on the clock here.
12:24
